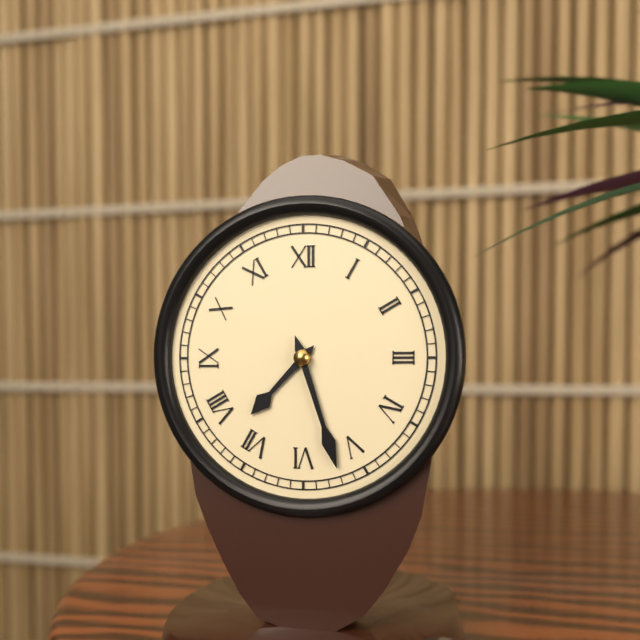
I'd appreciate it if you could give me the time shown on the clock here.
7:27
